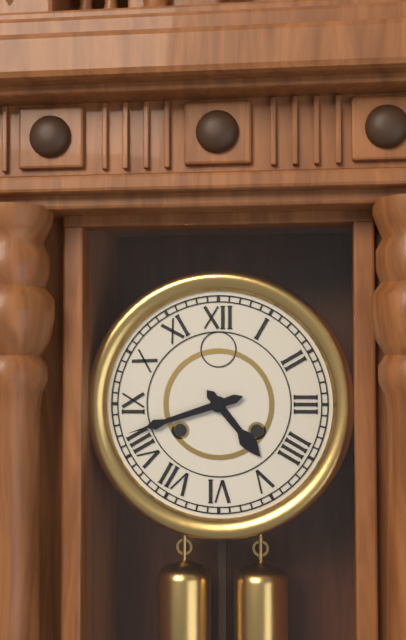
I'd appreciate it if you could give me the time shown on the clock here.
4:42
